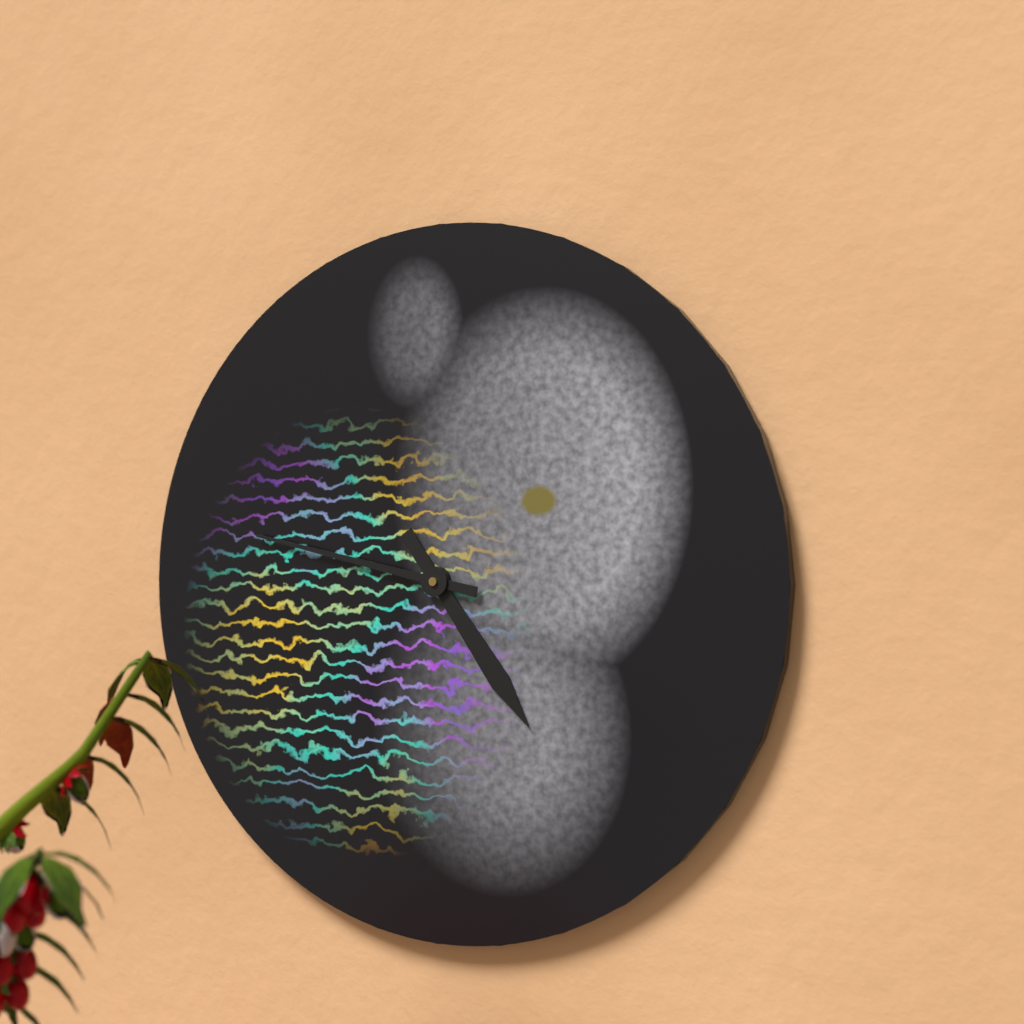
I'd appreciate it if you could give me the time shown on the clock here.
4:47
